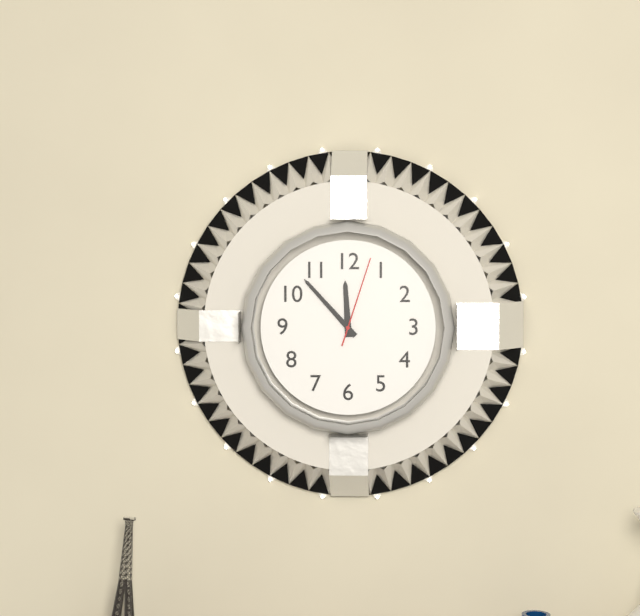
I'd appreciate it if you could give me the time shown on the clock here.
11:53:03
